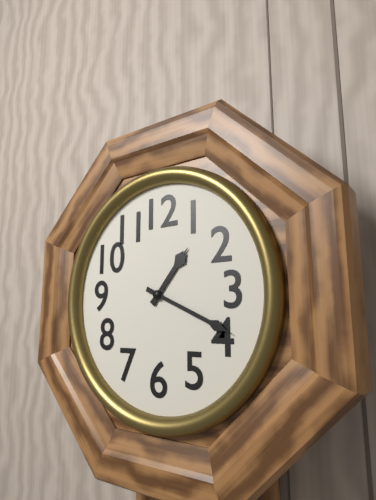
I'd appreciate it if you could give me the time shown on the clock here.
1:19
